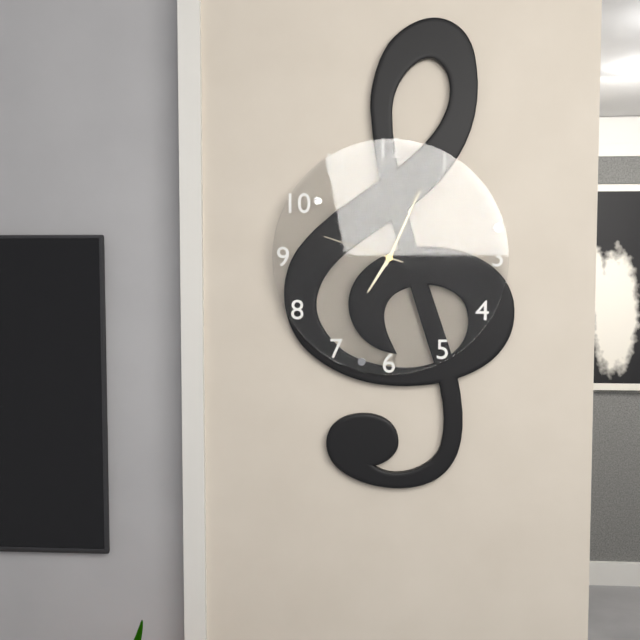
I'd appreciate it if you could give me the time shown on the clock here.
7:04:48
